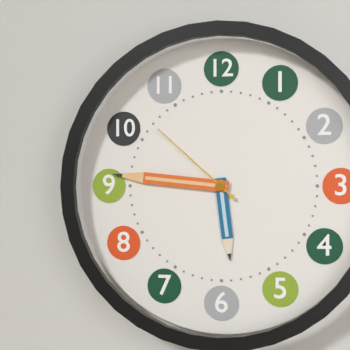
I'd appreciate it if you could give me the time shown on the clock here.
5:46:52
